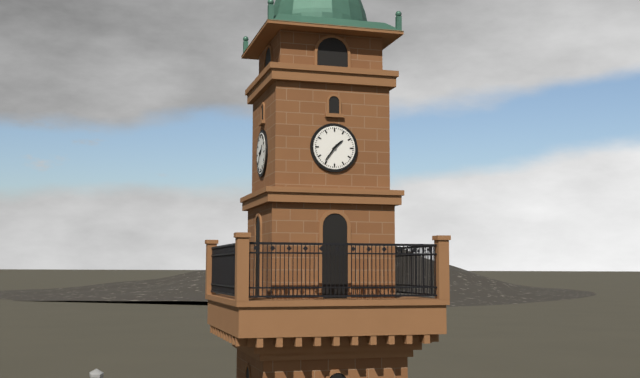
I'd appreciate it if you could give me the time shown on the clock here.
1:36
